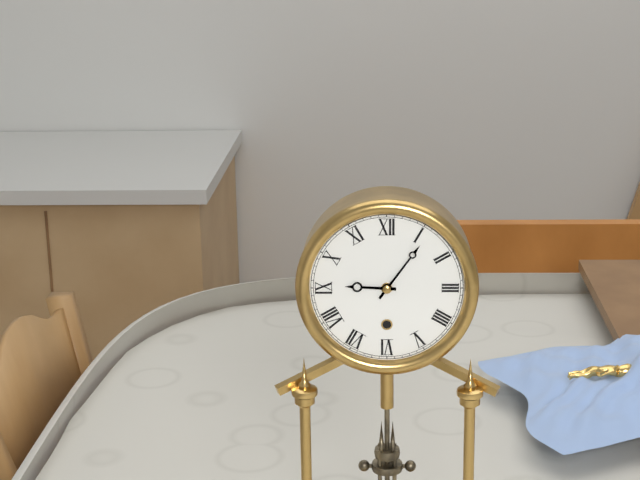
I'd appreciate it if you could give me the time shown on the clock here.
9:06
